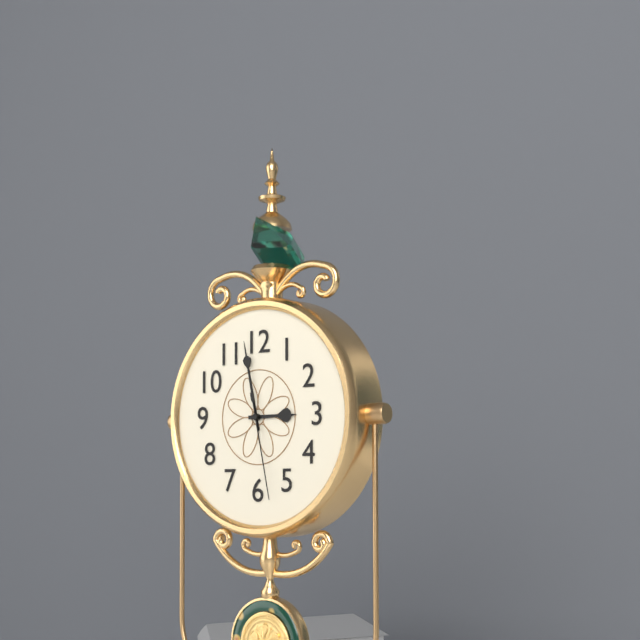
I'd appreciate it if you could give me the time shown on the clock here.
2:58:28
